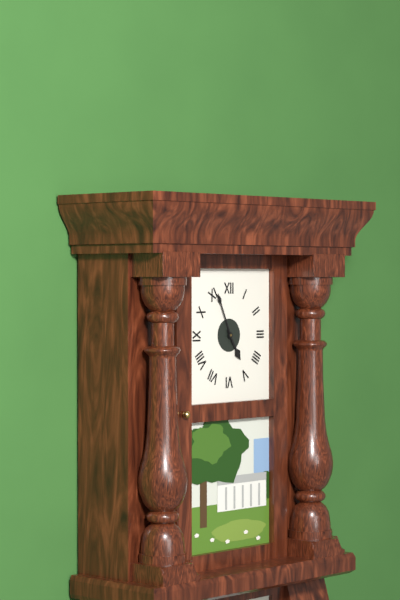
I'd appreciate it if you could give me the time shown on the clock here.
4:56
